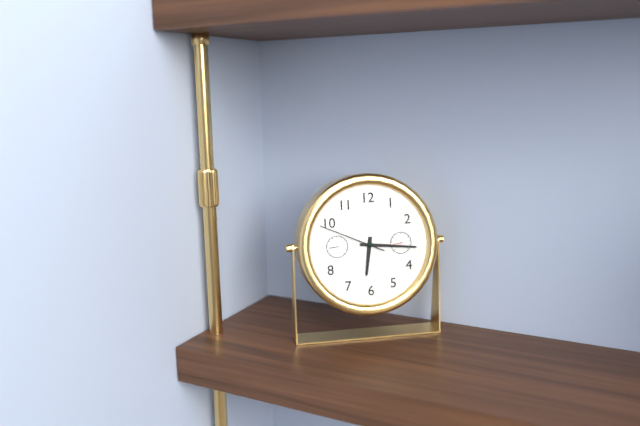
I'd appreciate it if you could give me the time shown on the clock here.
6:16:49
